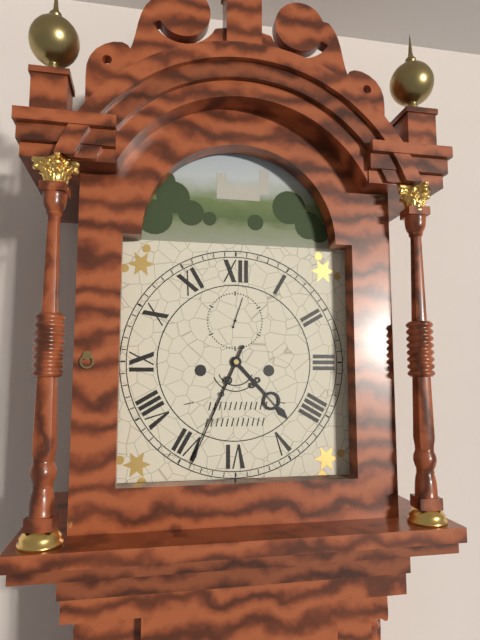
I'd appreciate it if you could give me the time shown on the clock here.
4:34
